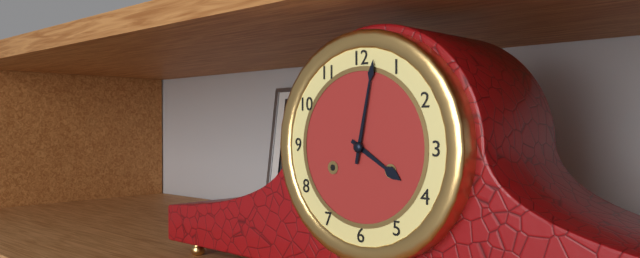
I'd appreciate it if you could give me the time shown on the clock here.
4:02
